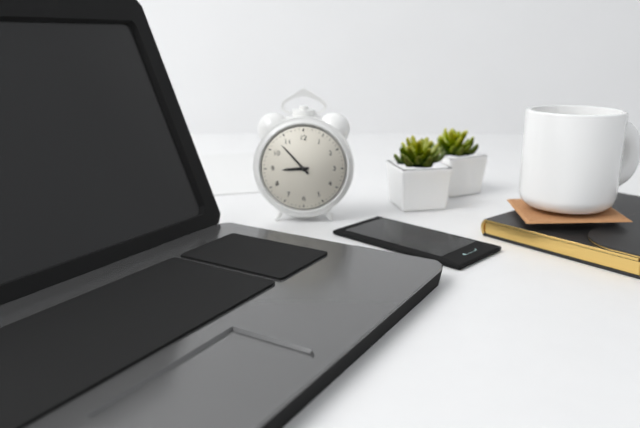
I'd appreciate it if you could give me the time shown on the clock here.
8:53
